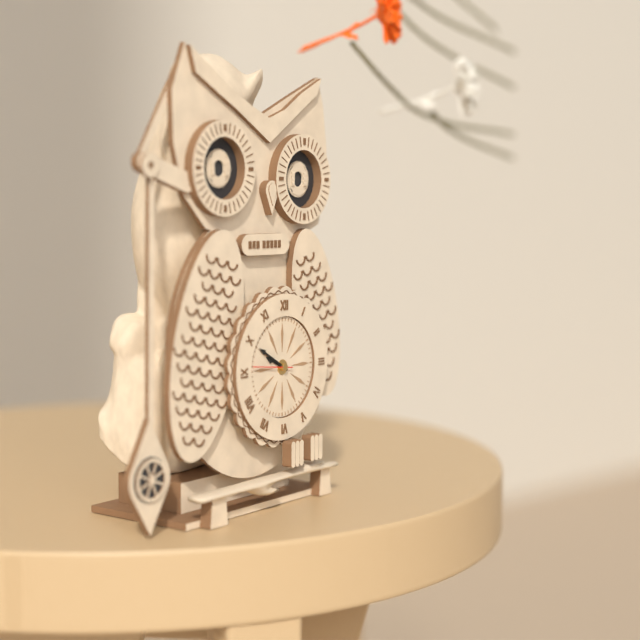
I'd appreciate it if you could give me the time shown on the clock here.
9:50
